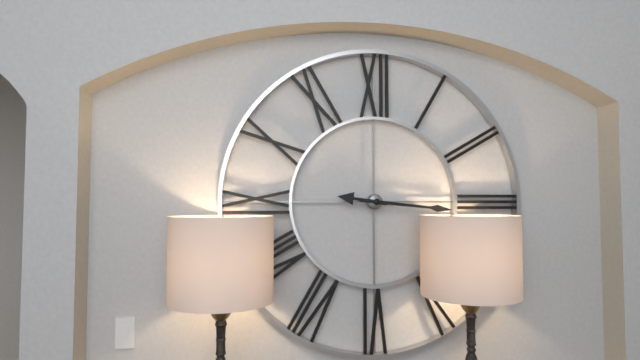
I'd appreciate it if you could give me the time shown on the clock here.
9:16
